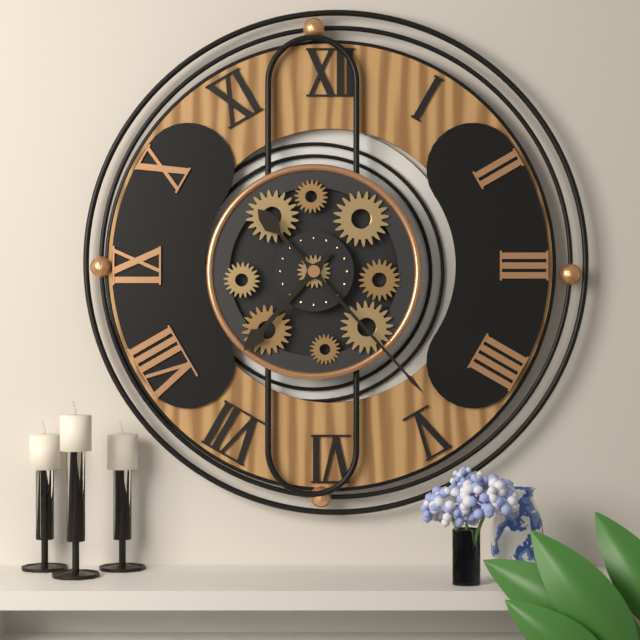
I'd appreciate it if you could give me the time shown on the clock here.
7:23
